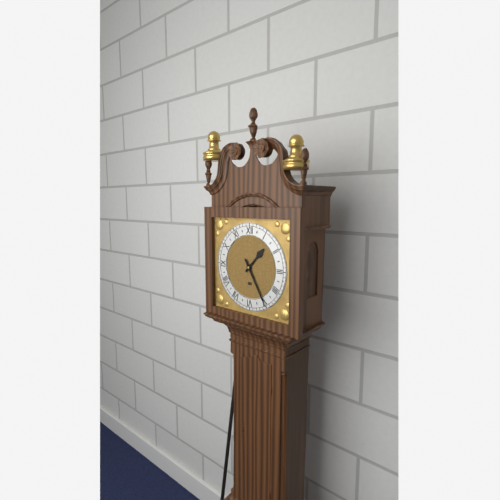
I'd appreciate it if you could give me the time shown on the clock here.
1:25
